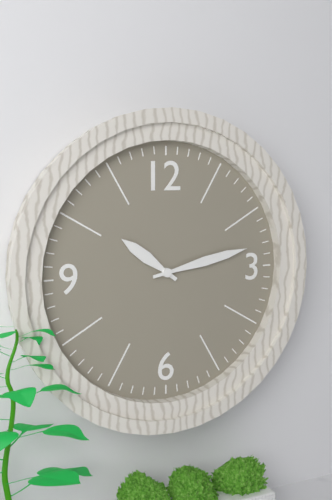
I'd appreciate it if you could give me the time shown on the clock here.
10:13
